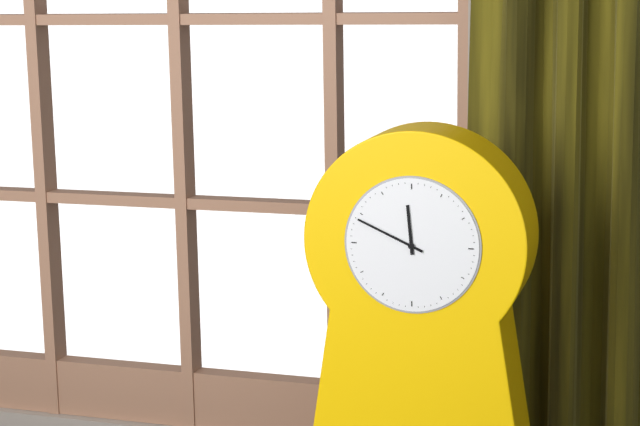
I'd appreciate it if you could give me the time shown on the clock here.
11:49
